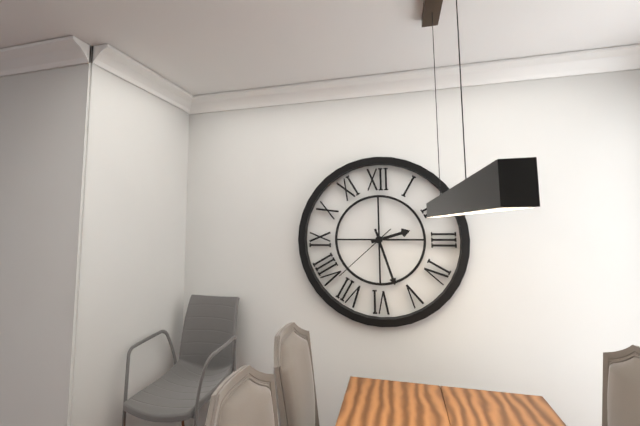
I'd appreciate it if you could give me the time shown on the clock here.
2:27:38
